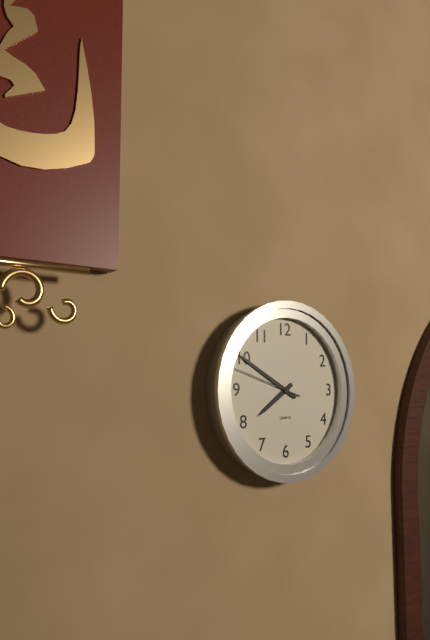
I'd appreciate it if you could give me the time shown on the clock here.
7:50:48
